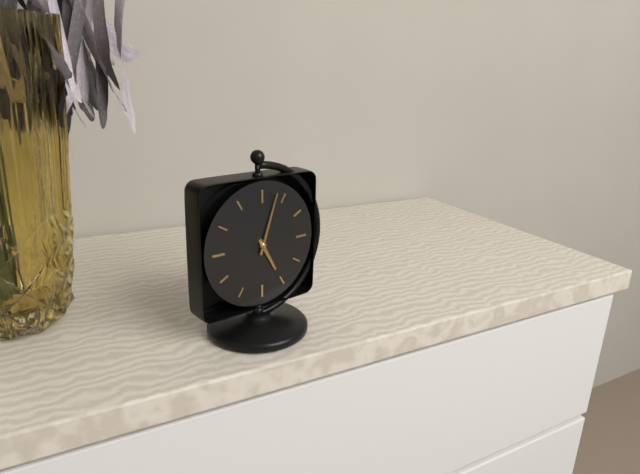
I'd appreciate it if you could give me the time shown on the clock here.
5:03
